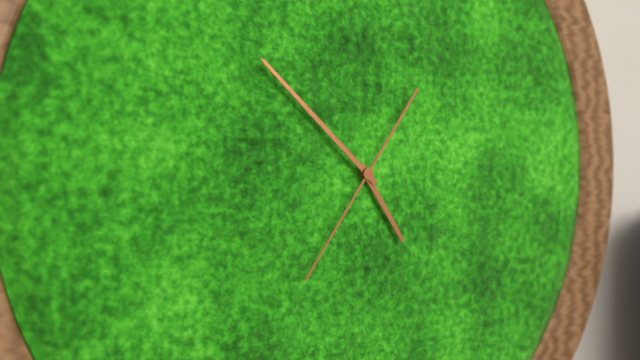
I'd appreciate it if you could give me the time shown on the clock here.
4:52:36
